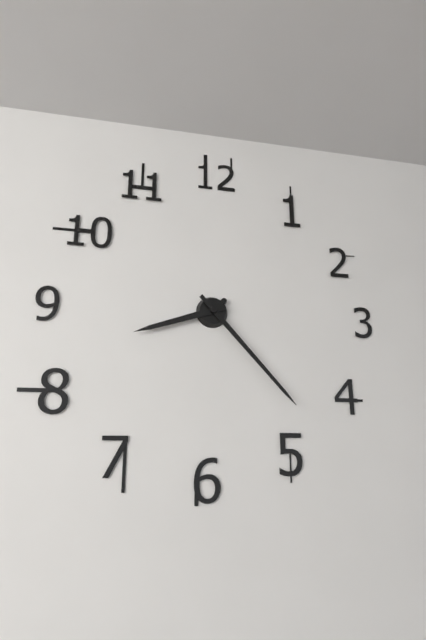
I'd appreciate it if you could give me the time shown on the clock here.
8:23
